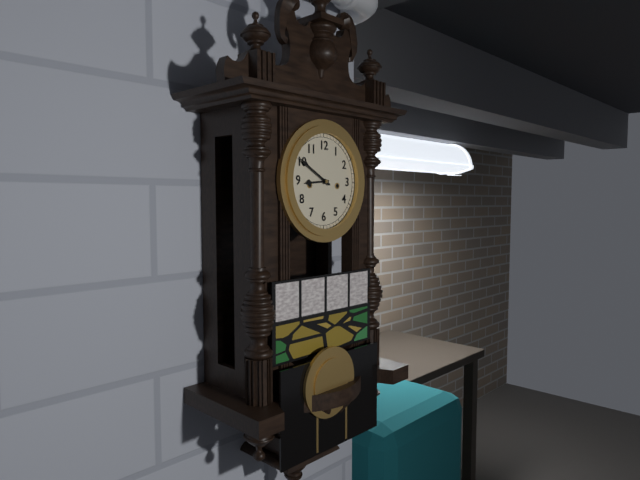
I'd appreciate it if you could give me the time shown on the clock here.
8:50
